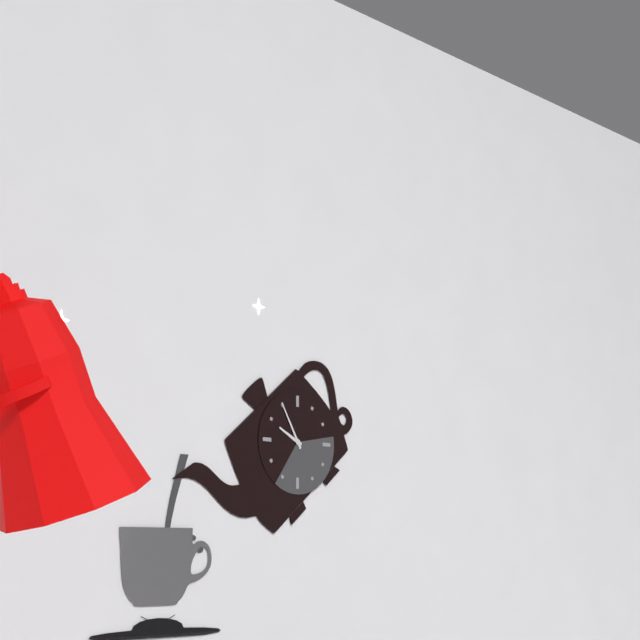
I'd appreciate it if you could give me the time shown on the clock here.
9:55
